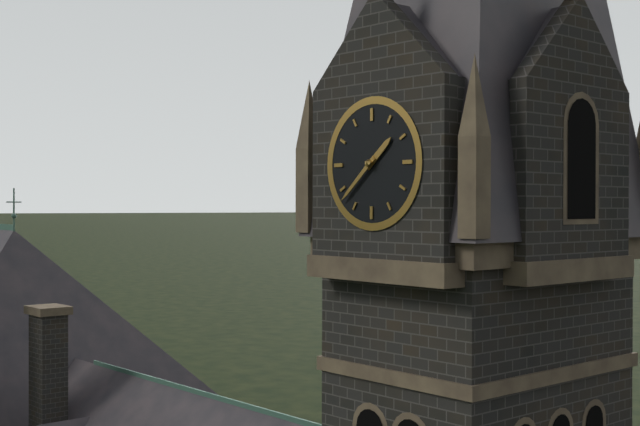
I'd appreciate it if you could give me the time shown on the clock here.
1:38
